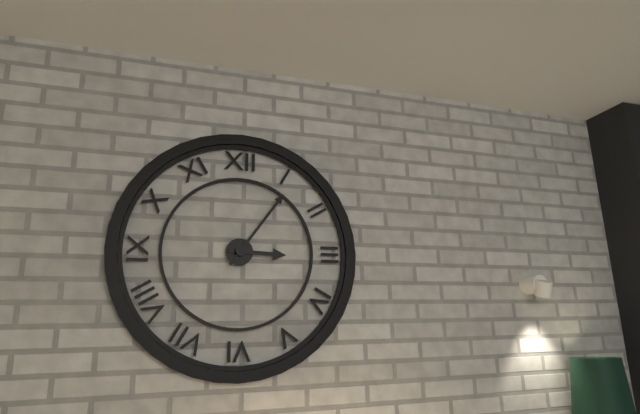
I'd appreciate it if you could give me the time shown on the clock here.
3:06
